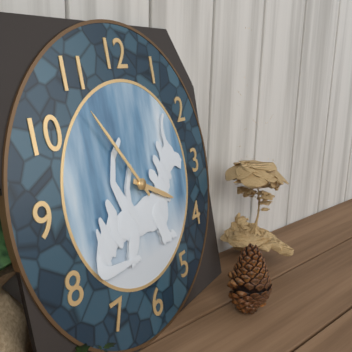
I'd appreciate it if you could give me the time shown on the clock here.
3:54
